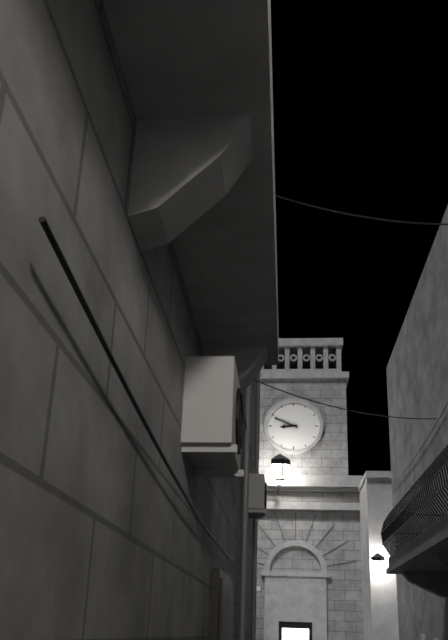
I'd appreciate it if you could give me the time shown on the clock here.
8:49
